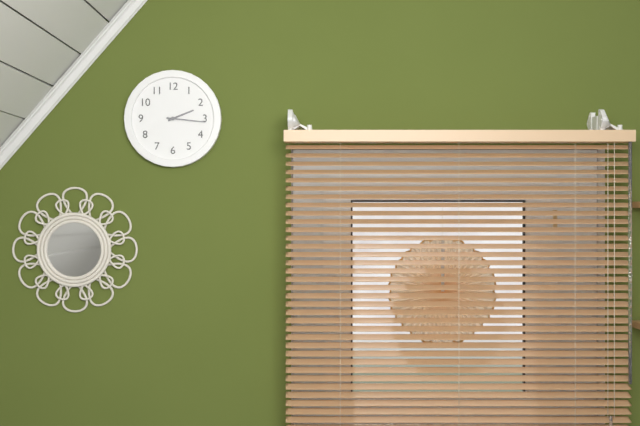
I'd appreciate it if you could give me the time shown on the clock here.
2:16
